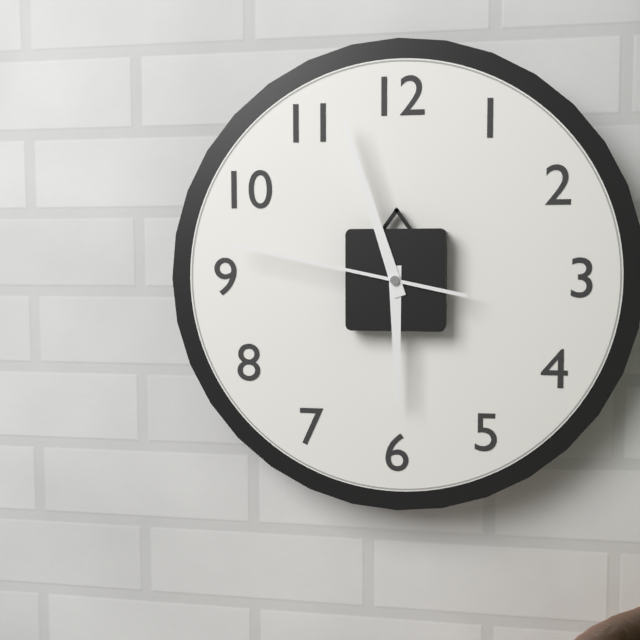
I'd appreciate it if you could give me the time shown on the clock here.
5:57:47
